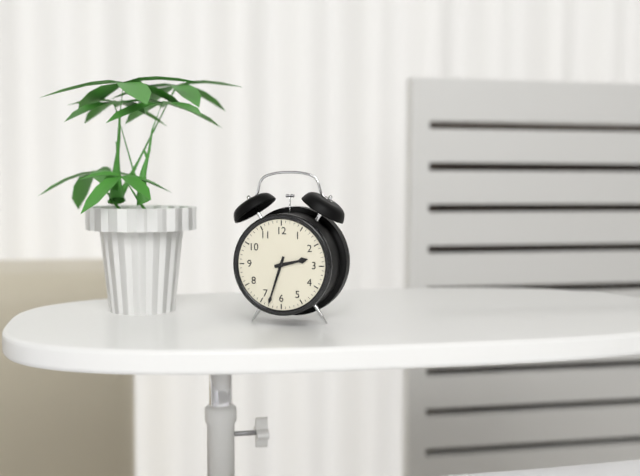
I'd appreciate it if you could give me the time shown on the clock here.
2:33
